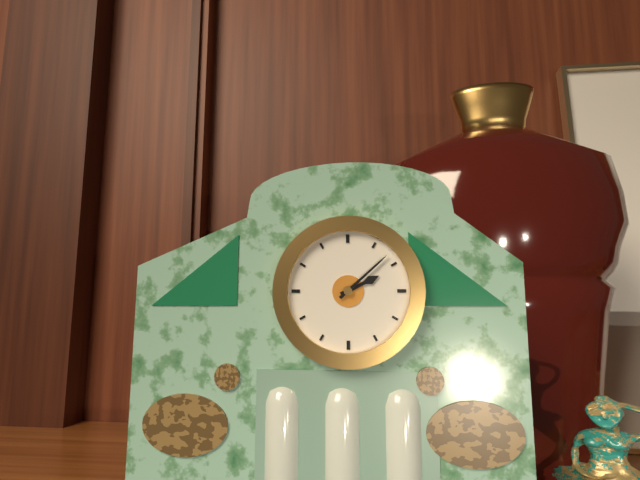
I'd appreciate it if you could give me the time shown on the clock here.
2:08
